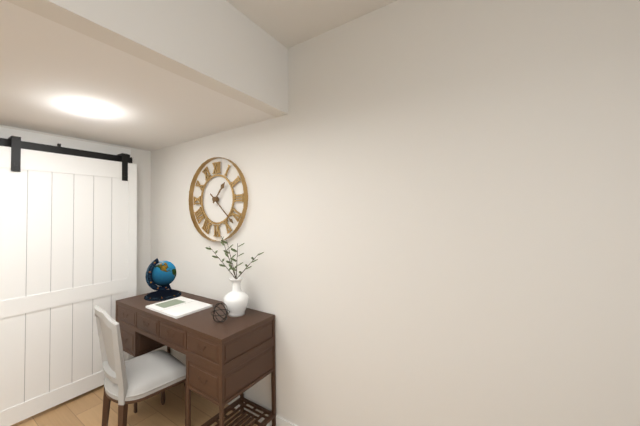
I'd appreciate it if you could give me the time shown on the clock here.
1:22
